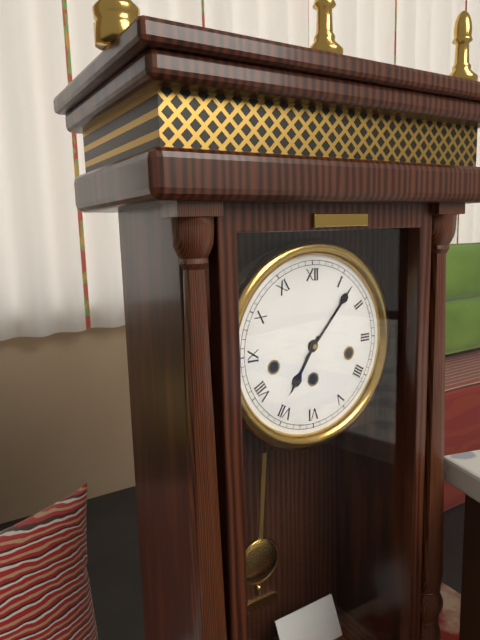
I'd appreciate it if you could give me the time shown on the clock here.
7:07
